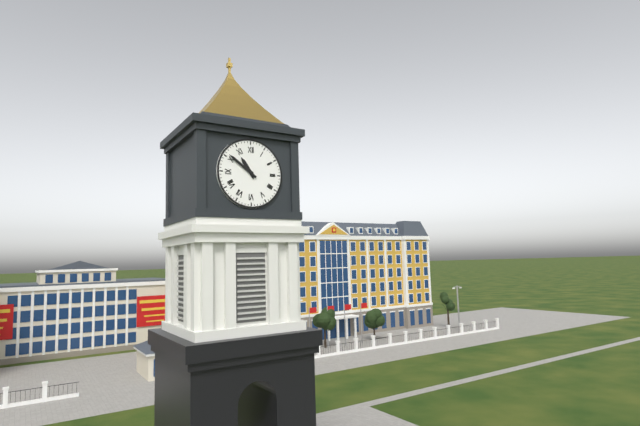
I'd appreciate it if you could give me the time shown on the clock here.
10:51
